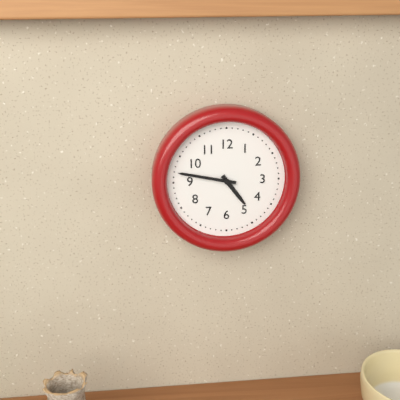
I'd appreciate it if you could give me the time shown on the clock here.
4:47
